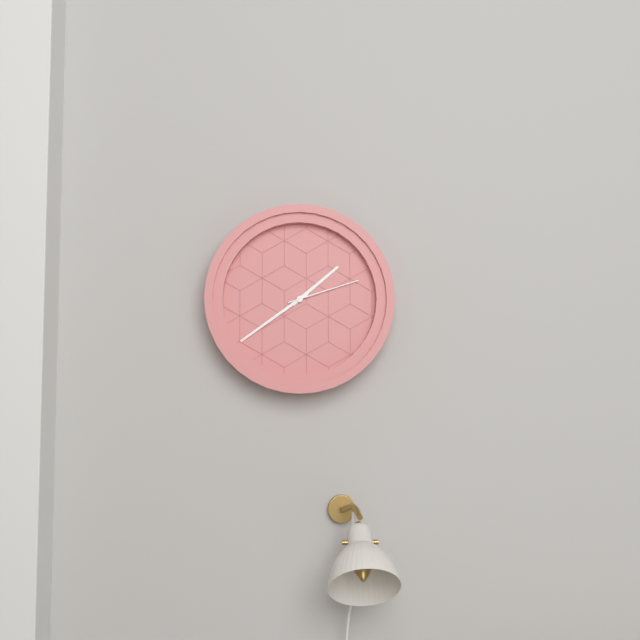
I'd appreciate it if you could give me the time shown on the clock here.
1:39:12
